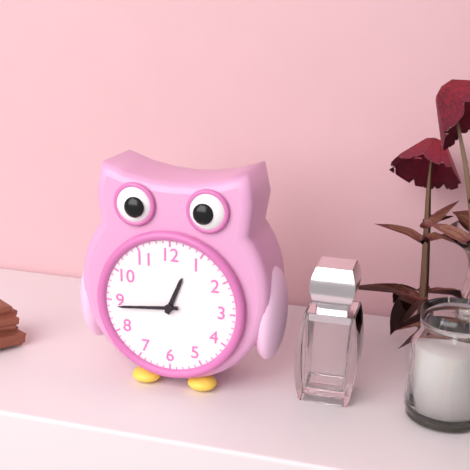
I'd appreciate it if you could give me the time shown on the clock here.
12:44
